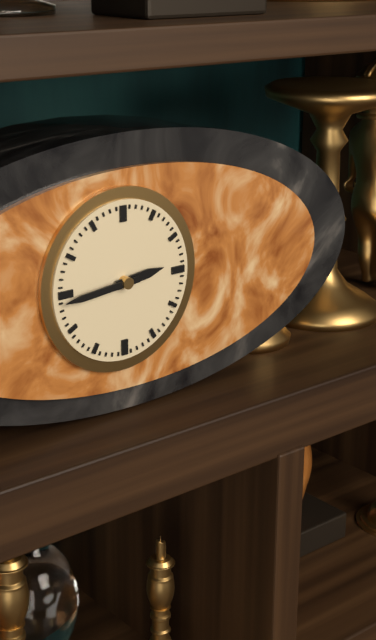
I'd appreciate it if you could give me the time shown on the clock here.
2:44
